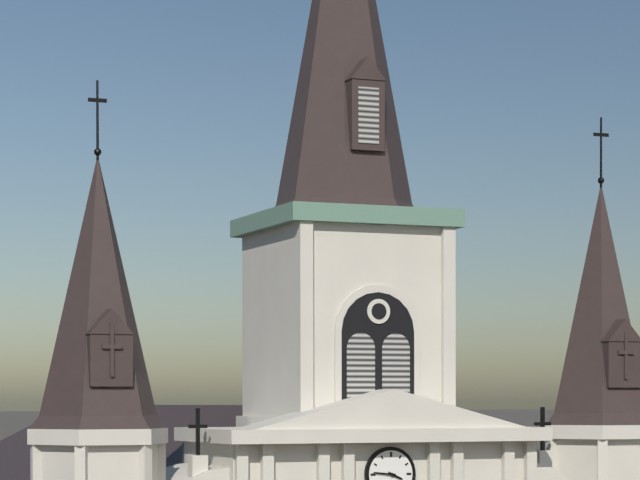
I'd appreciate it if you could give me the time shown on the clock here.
3:46
